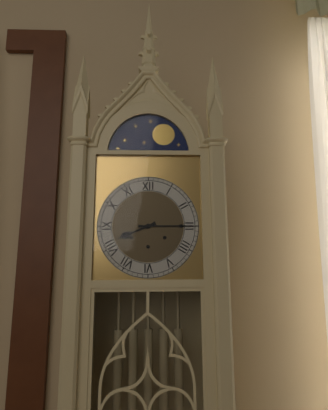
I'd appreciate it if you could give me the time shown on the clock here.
8:15
